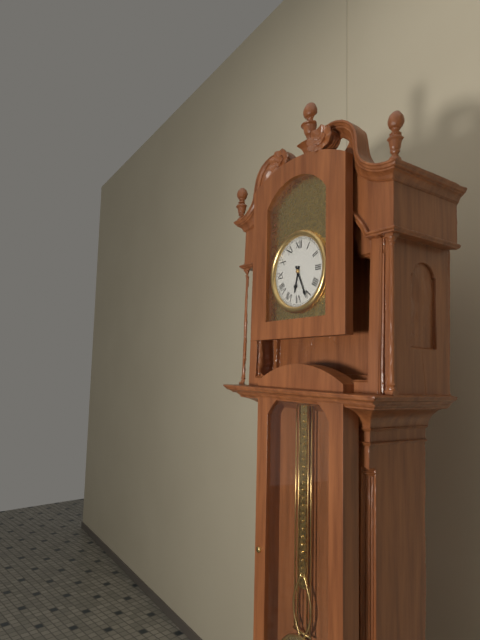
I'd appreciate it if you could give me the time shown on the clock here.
6:26
